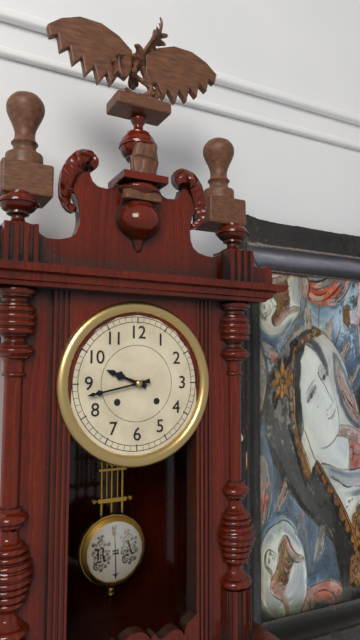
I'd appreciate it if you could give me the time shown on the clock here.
9:43
